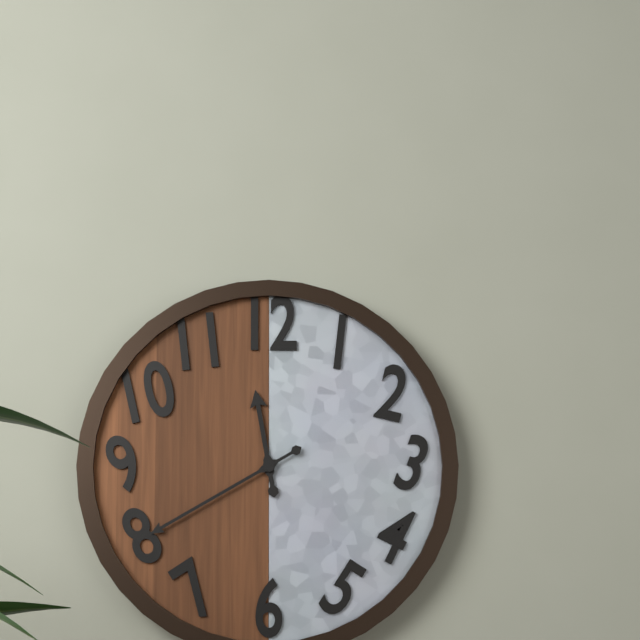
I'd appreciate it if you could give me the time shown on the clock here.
11:40
